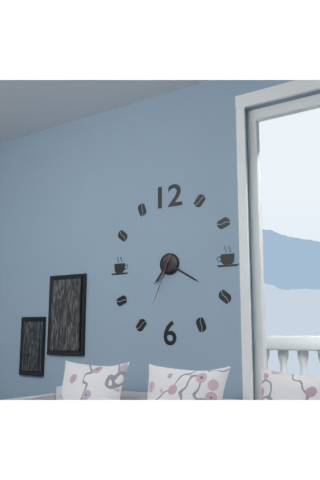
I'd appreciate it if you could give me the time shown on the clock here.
7:20:34
